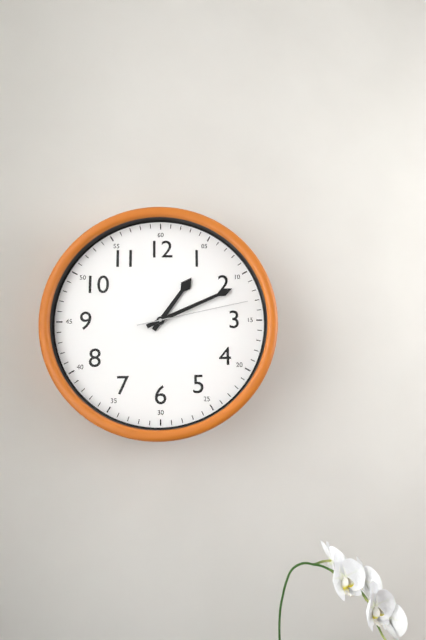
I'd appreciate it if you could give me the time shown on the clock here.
1:11:13
